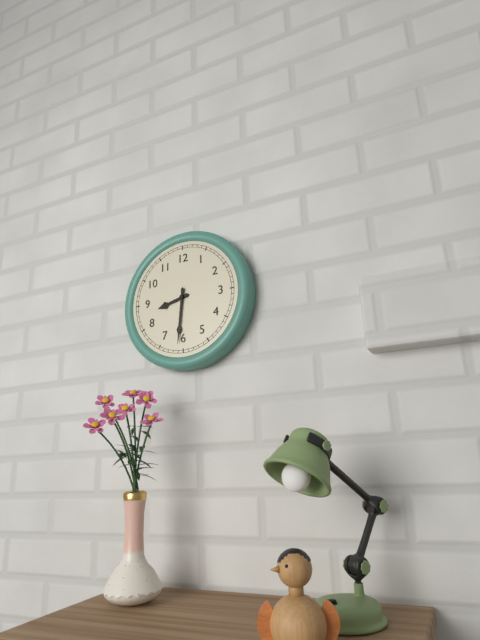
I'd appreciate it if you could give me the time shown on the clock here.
8:31
